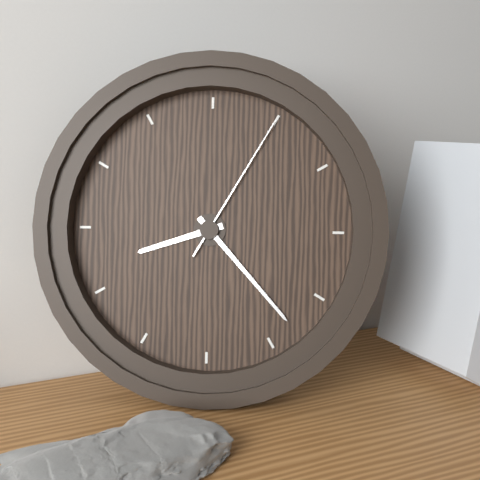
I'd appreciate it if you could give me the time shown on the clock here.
8:23:05
